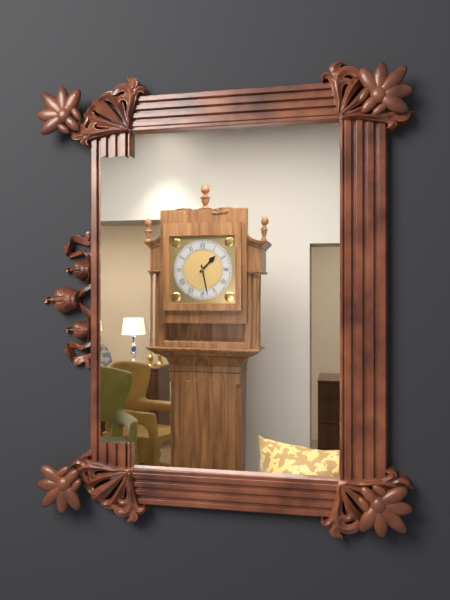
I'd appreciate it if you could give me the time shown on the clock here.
1:28
